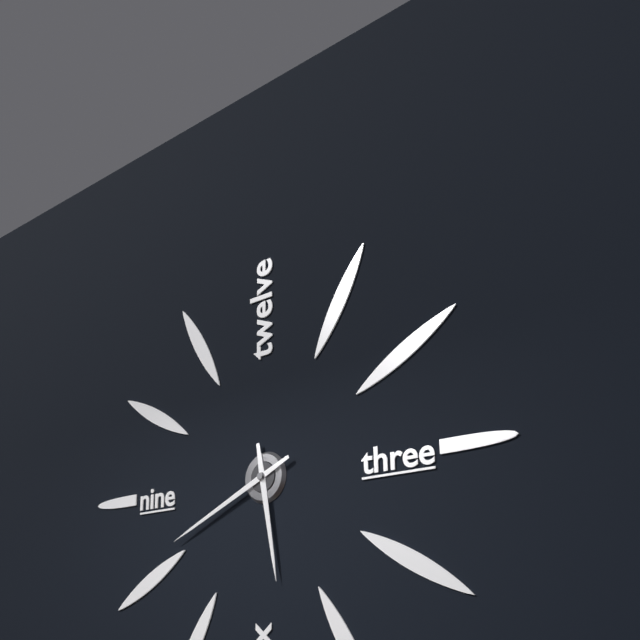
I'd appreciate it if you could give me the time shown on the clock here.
5:41
